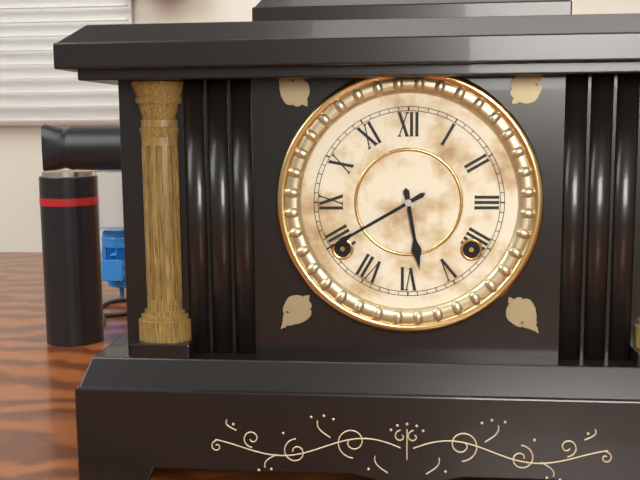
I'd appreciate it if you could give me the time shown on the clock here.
5:40
